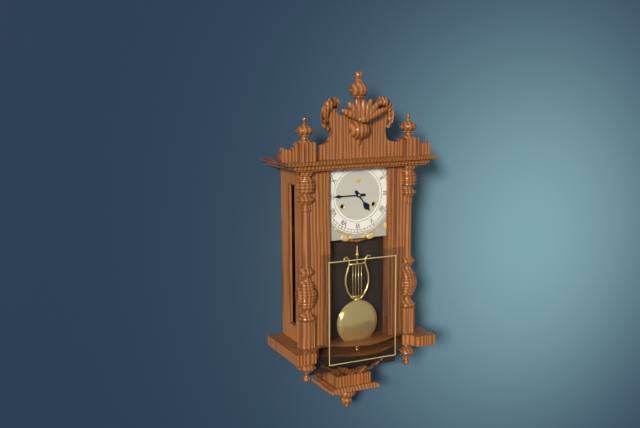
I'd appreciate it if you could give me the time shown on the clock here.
4:45
